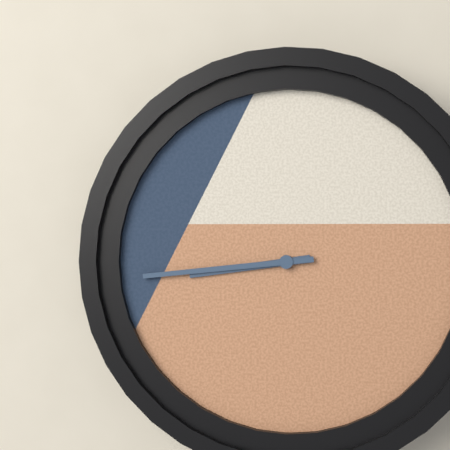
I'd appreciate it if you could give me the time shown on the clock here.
8:44
